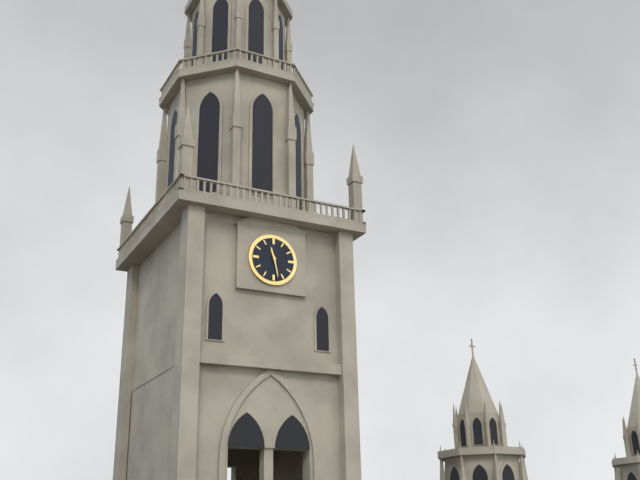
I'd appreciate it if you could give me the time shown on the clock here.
11:28
